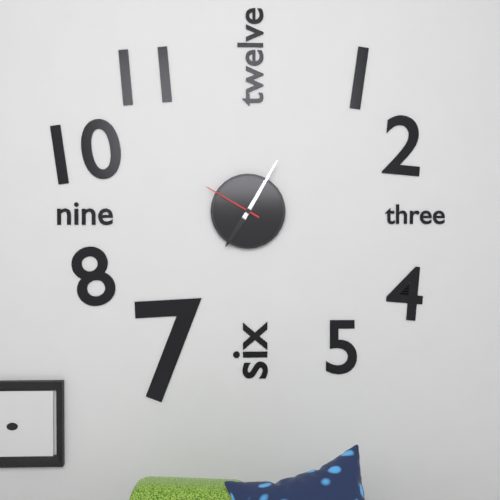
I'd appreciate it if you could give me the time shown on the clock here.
7:05:50
